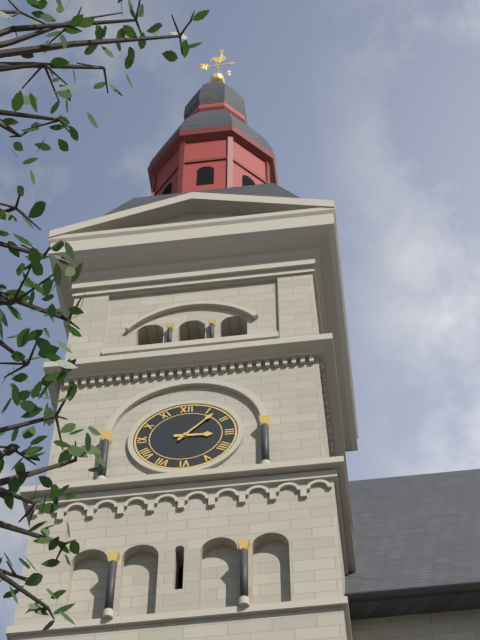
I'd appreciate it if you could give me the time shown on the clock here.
3:07
